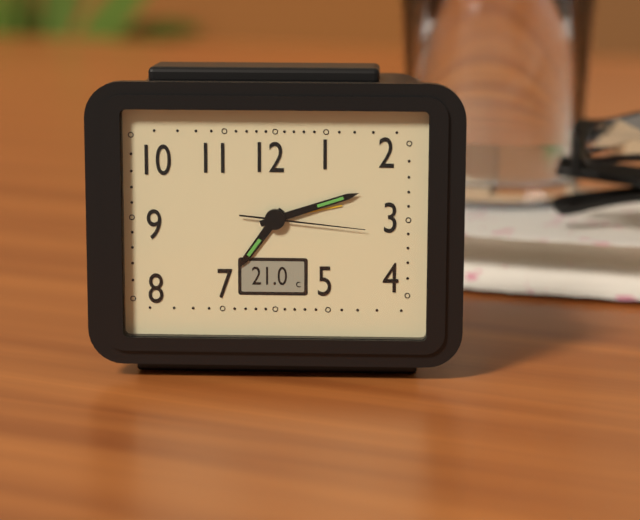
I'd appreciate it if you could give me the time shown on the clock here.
7:12:16
